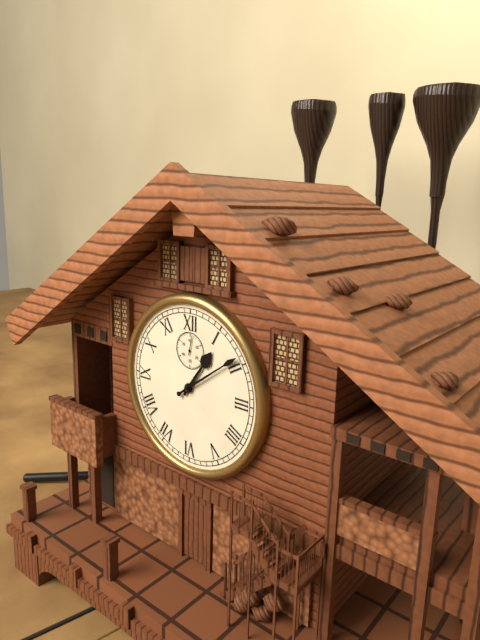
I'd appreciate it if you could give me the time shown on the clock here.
1:09
